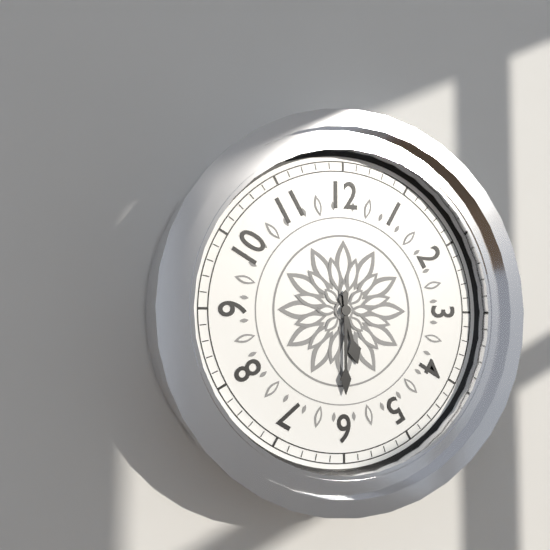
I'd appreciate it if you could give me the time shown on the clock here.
5:30
